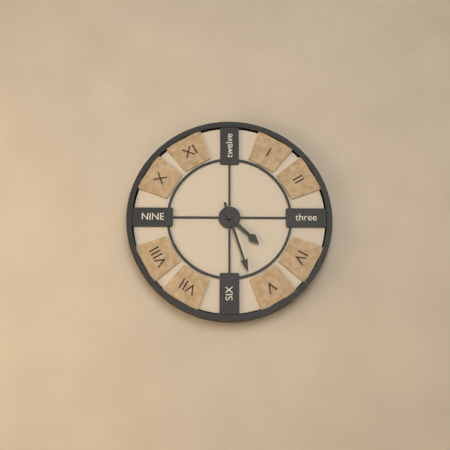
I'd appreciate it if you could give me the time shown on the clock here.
4:27
